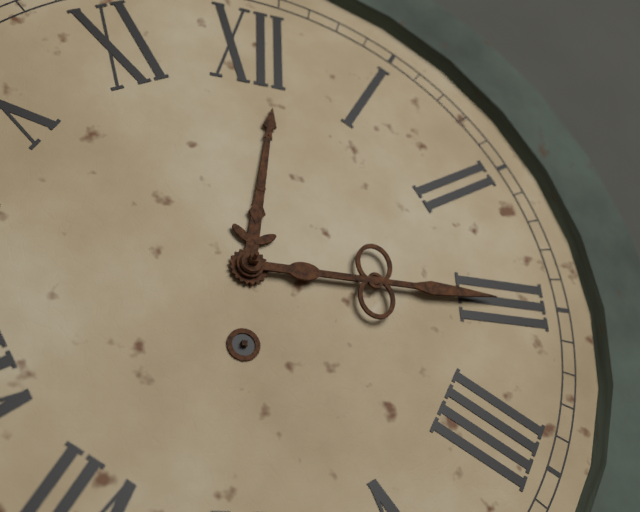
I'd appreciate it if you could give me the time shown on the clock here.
12:15
